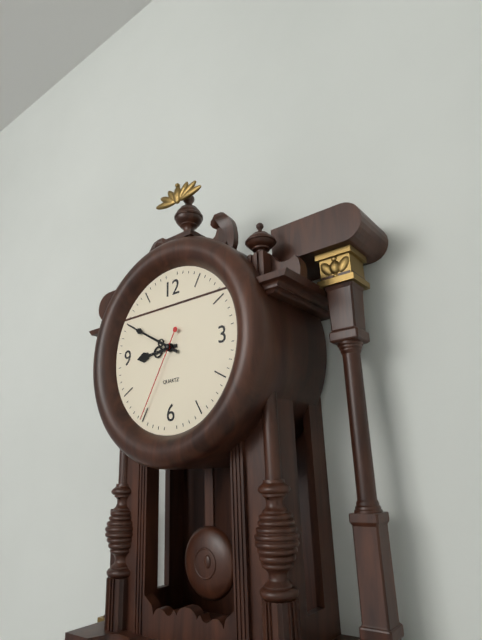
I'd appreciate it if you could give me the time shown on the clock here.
8:50:35
